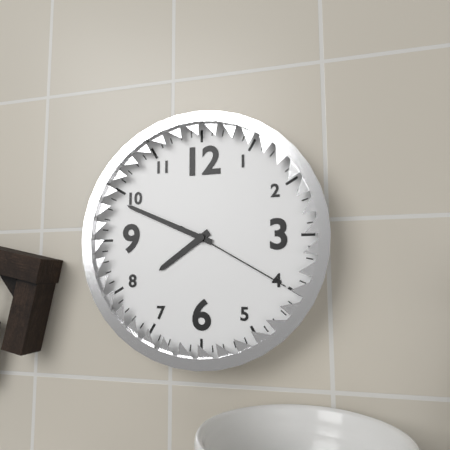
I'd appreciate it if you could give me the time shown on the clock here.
7:49:20
